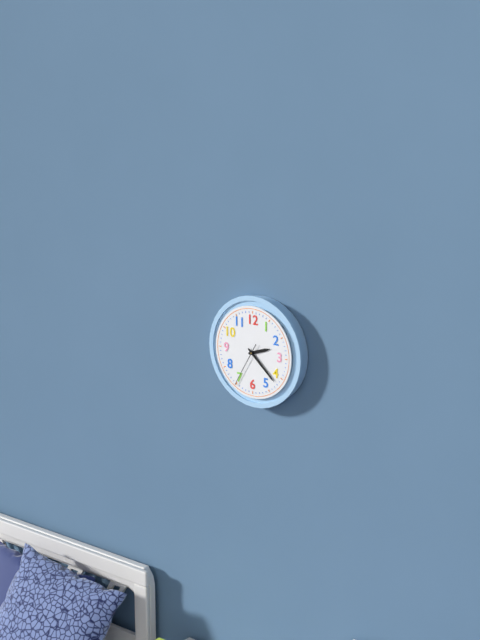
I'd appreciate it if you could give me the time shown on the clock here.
2:22
